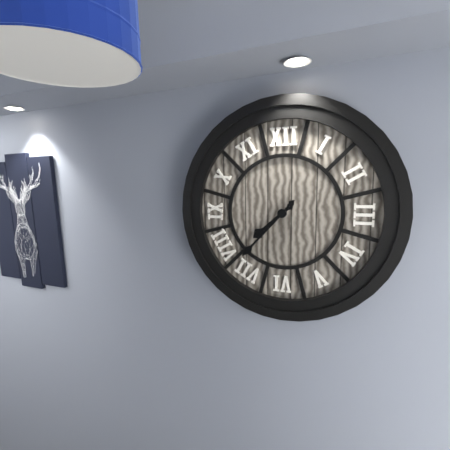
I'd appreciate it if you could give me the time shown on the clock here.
7:37
